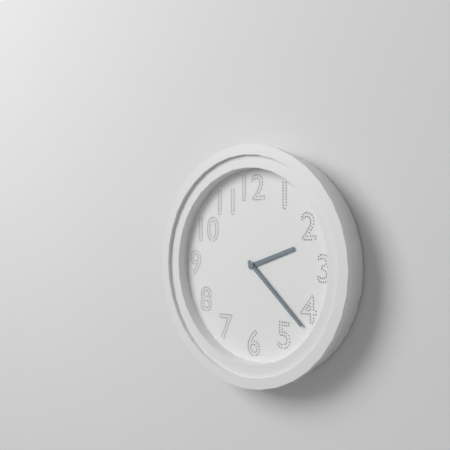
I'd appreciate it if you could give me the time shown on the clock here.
2:22
